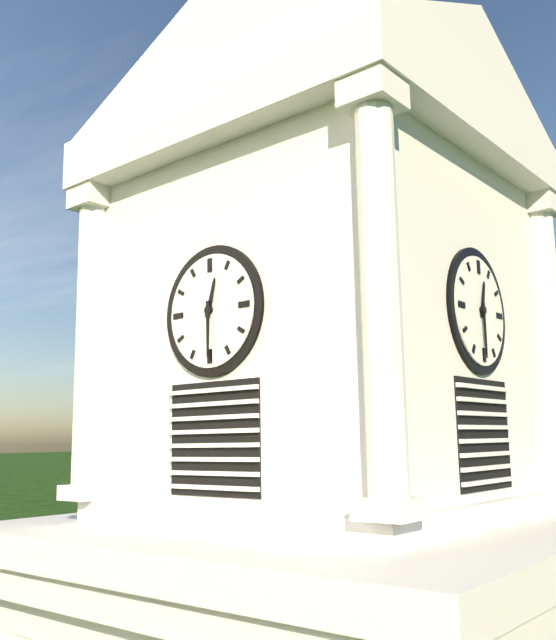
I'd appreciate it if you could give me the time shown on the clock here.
12:30
